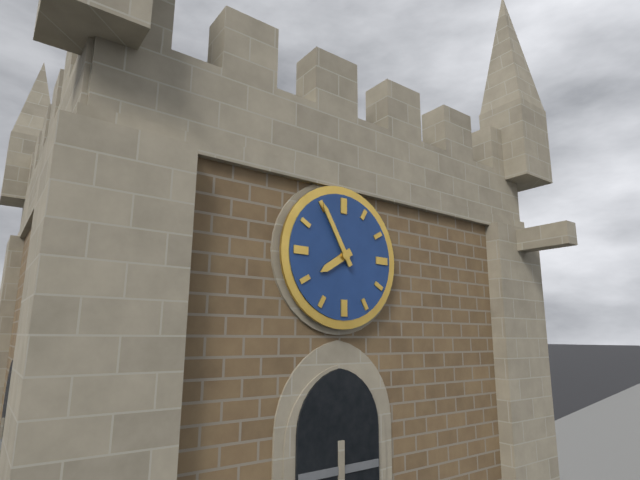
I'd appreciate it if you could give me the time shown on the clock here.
7:55
